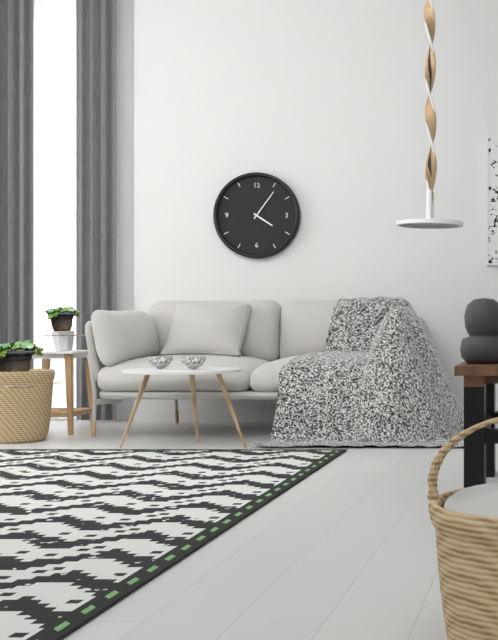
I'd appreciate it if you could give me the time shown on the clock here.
4:06
